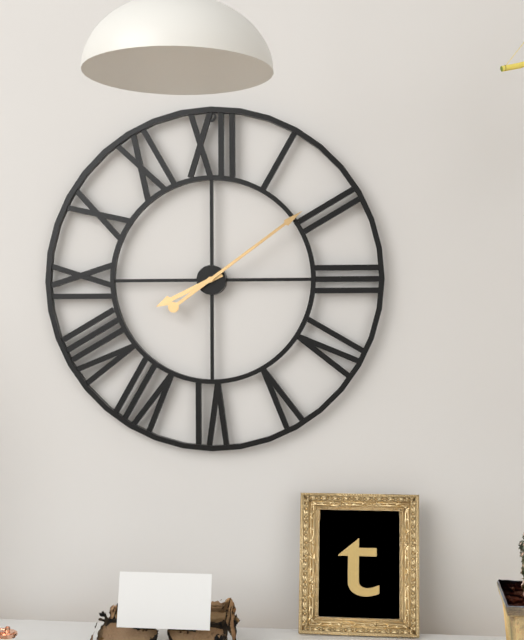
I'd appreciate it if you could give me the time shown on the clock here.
8:09
